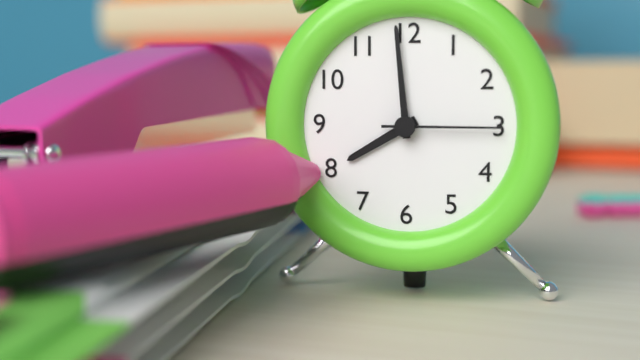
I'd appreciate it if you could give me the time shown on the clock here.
7:59:15
